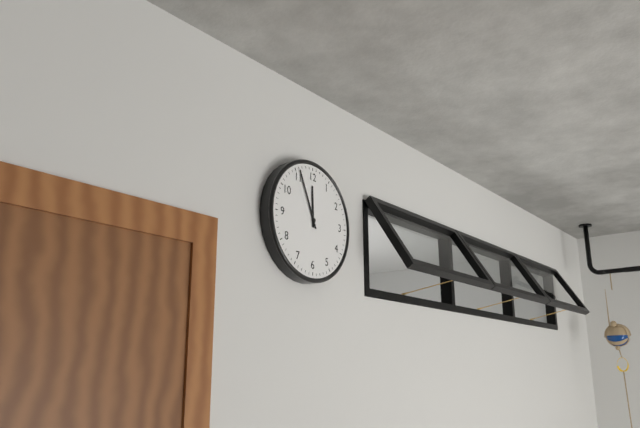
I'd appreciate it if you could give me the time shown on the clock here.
11:56
